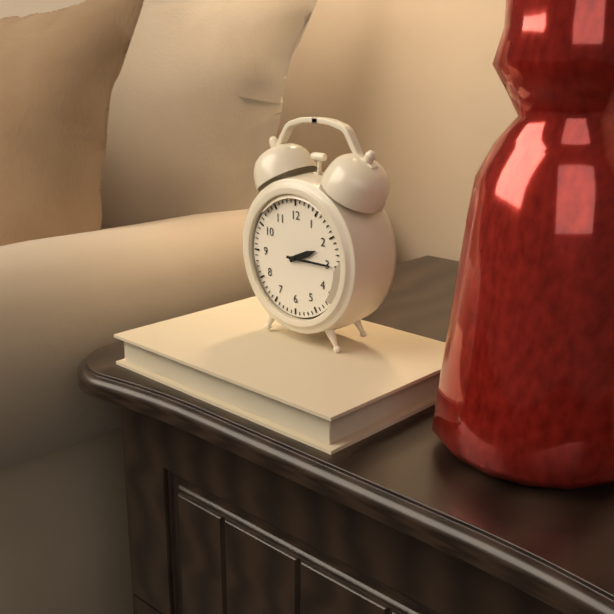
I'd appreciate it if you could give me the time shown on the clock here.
2:15
